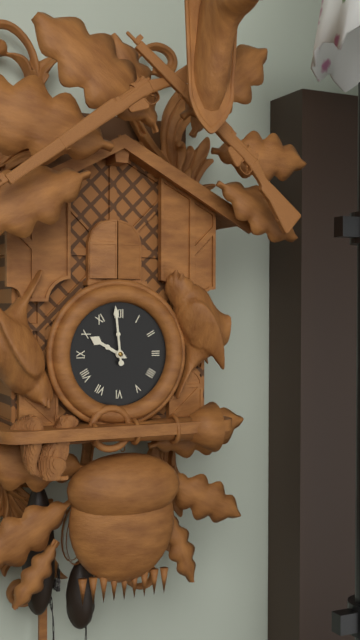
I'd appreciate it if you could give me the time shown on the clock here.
9:59
